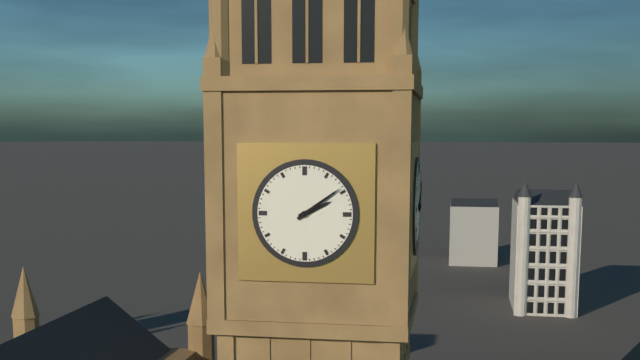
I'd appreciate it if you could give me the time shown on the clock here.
2:09
